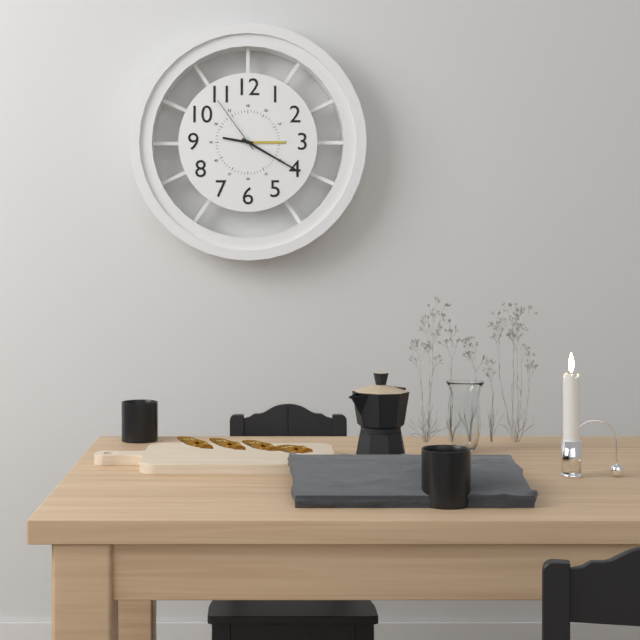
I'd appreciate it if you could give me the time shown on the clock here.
9:20:54
